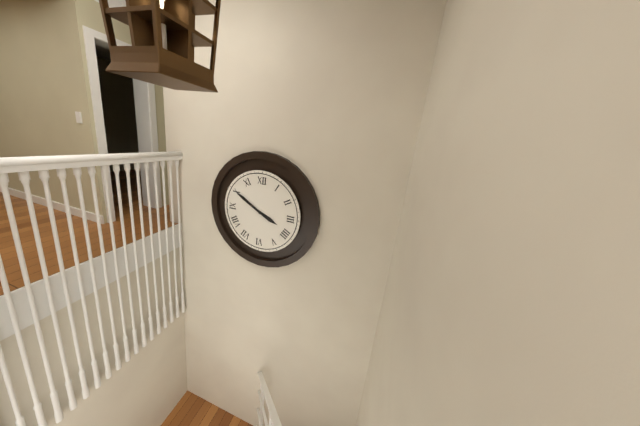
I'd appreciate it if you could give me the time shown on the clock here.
3:50
